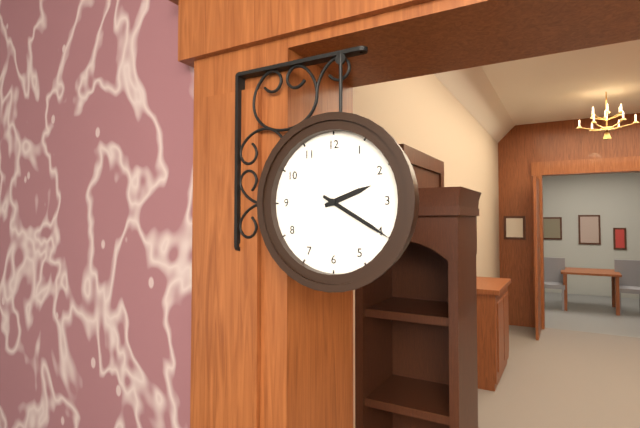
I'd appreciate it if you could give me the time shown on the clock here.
2:20
